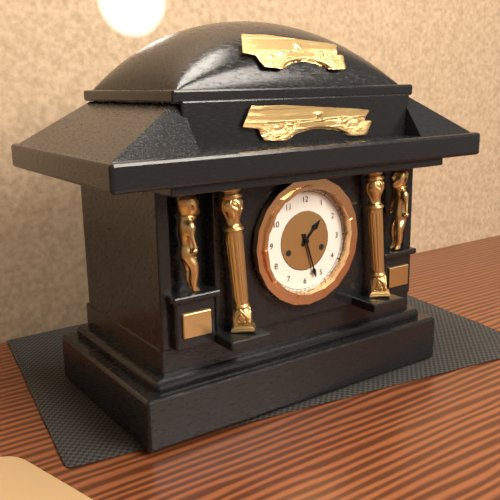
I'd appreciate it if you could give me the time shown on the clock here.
1:27
